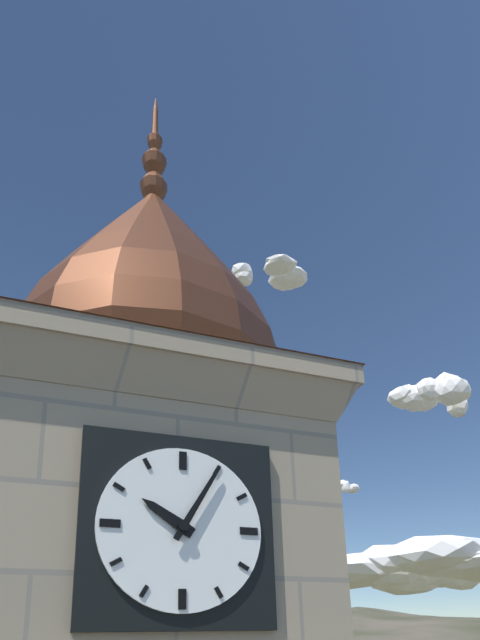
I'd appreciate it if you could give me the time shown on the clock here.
10:05
